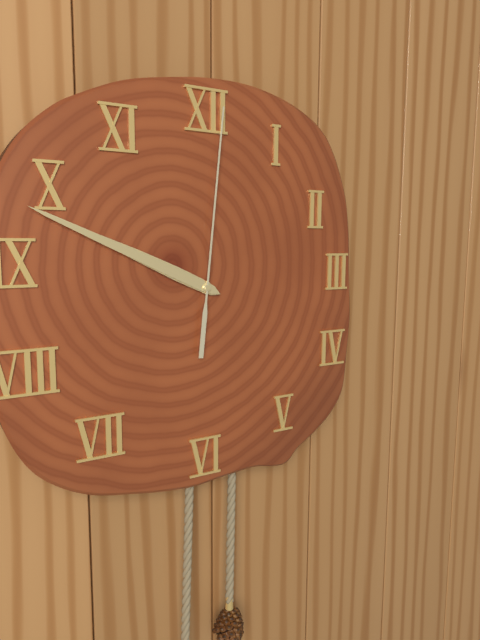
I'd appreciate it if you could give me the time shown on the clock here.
9:49:01
